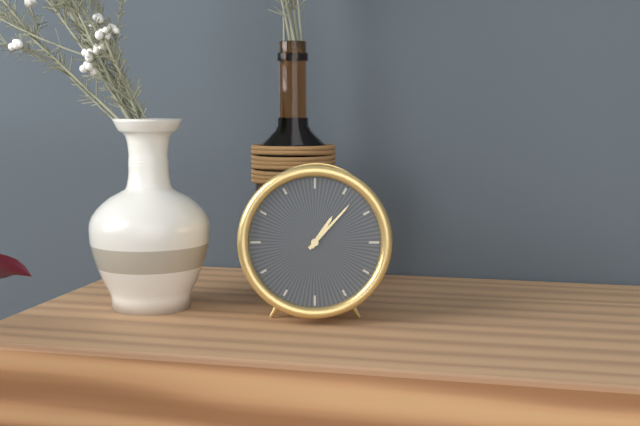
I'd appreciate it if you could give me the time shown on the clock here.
1:07
